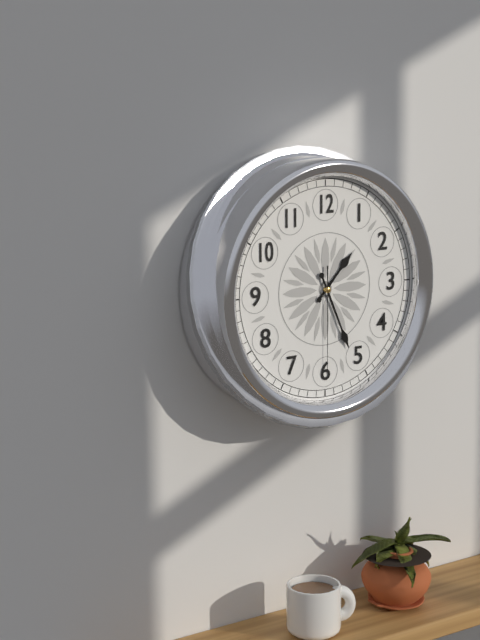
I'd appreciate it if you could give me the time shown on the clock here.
1:26:30
